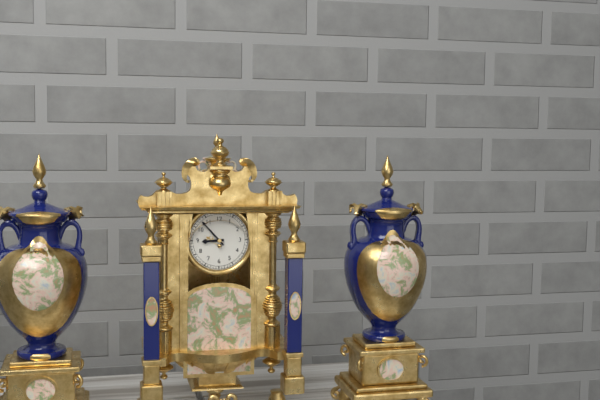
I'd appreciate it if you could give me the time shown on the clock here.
8:53
